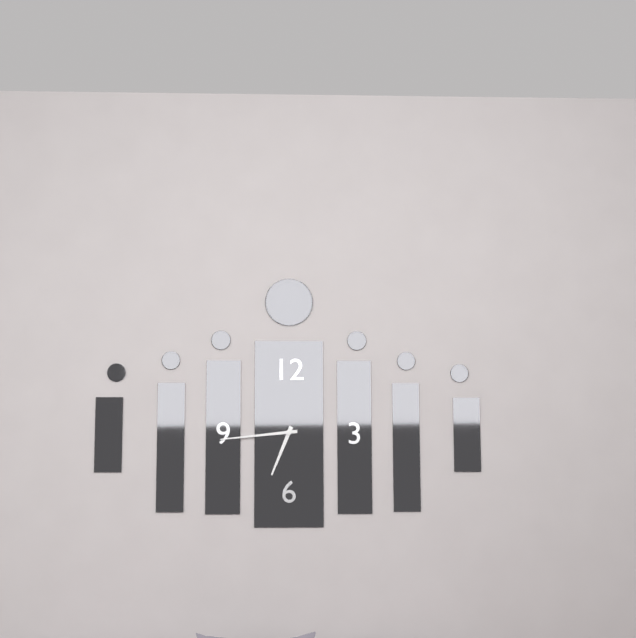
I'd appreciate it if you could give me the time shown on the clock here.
6:44
